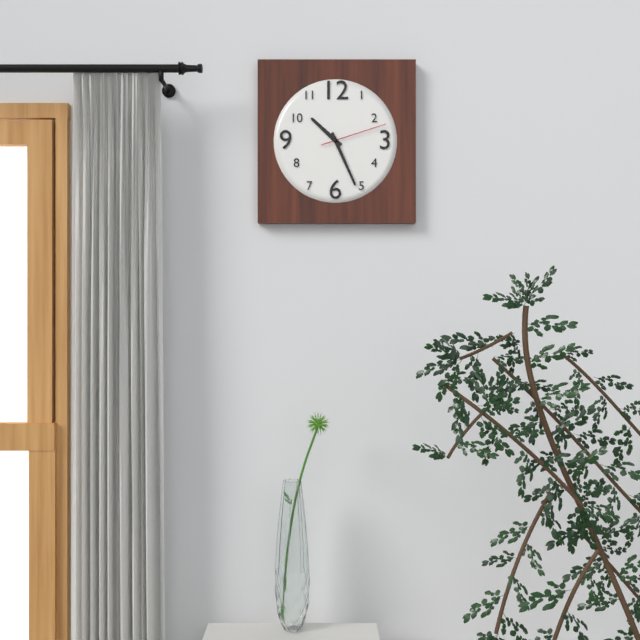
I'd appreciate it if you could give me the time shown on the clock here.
10:26:12
